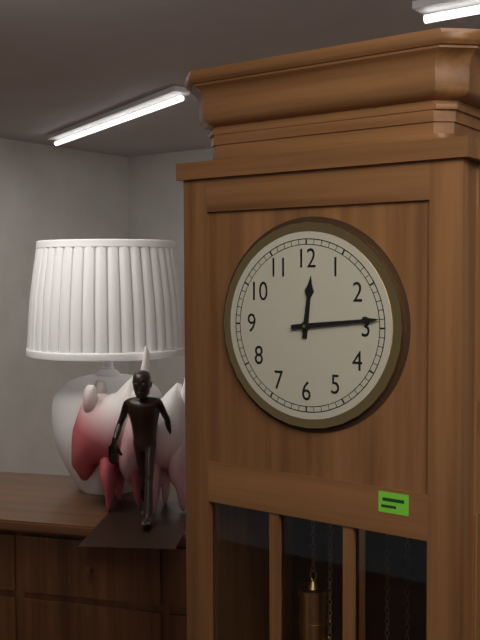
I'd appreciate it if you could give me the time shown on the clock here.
12:14
